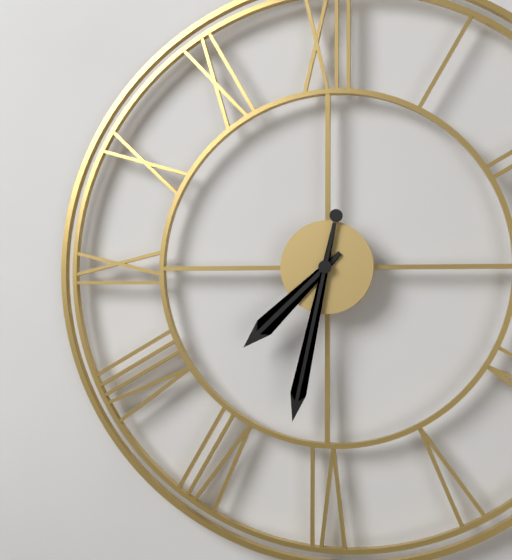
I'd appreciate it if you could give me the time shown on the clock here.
7:32
